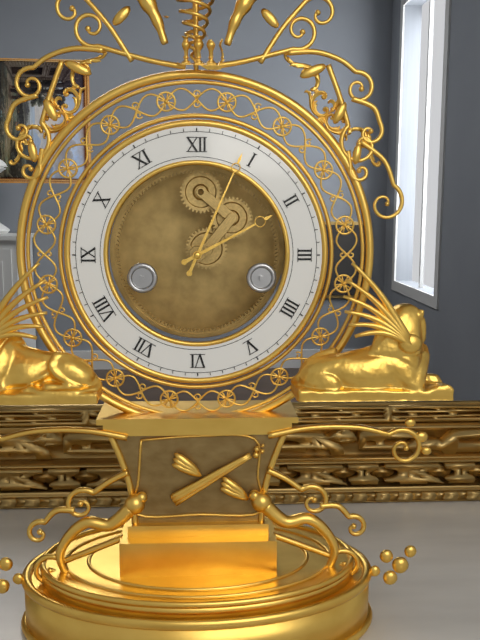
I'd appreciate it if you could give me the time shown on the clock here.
2:04
